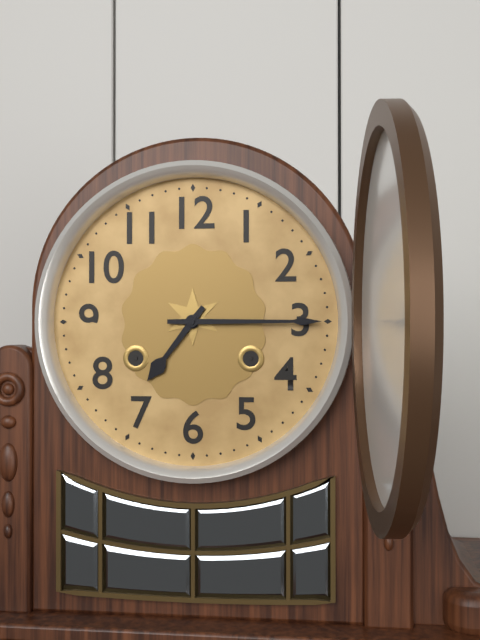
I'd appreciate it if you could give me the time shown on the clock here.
7:15
